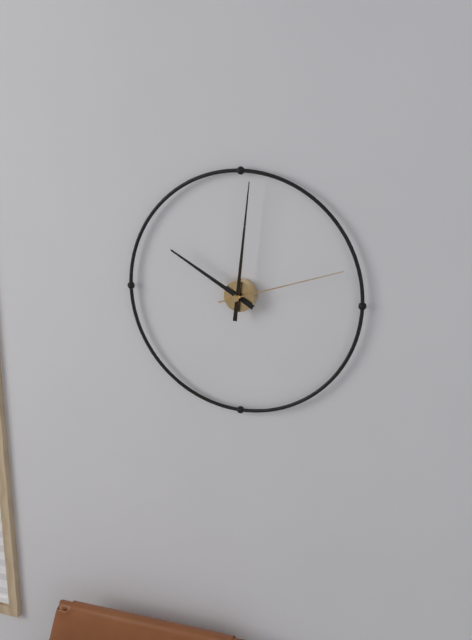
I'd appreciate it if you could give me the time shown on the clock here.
10:01:12
